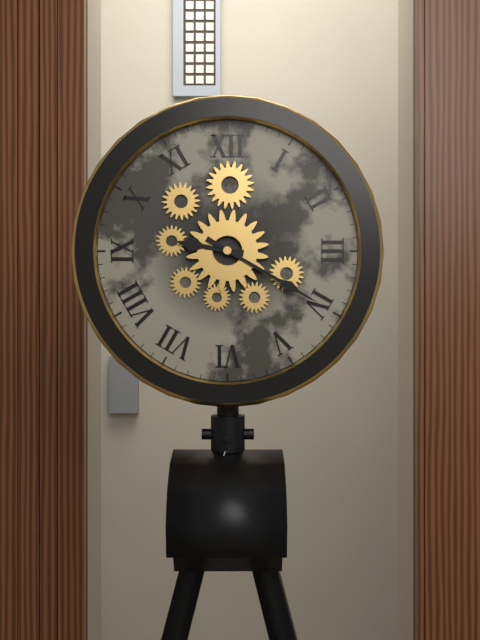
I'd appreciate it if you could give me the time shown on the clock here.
9:20
